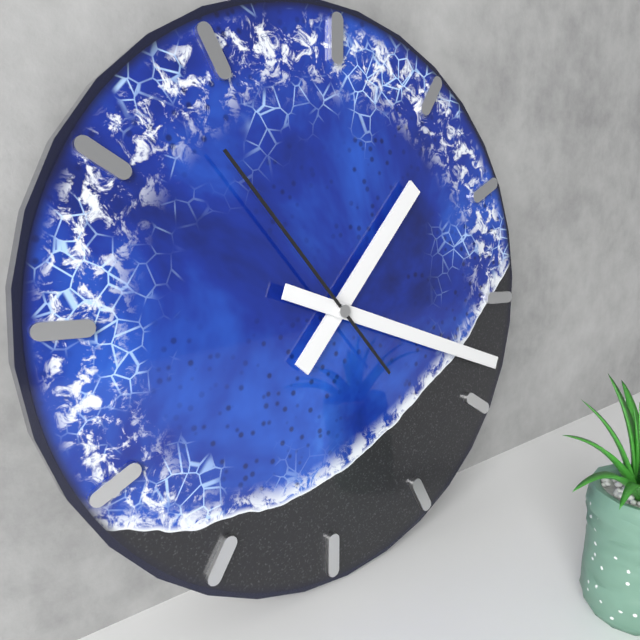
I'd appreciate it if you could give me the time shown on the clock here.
1:18:53
